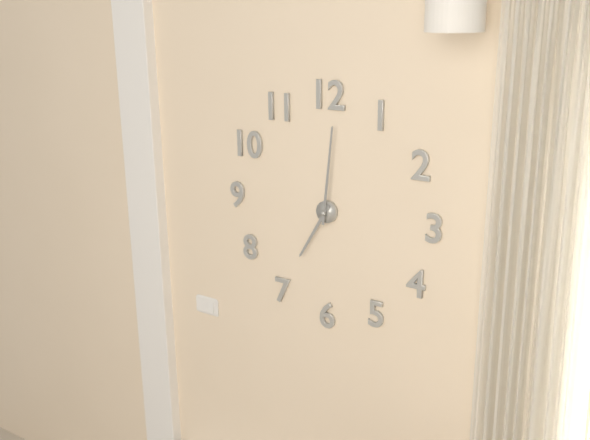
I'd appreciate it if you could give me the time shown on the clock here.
7:01
